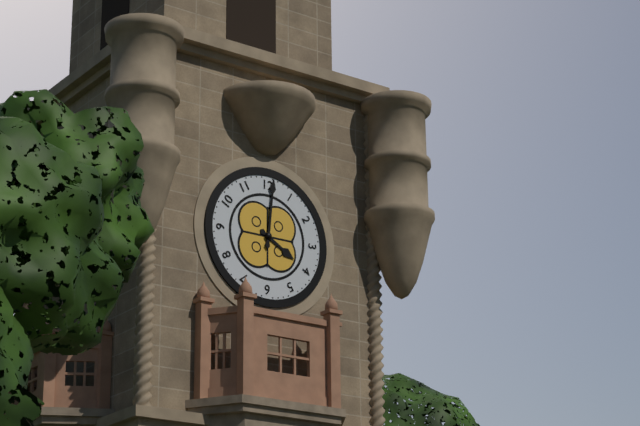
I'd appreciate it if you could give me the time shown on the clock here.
4:01
